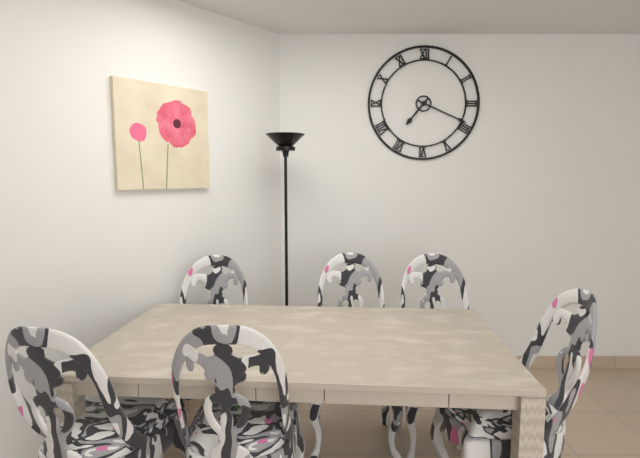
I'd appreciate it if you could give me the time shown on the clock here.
7:19
